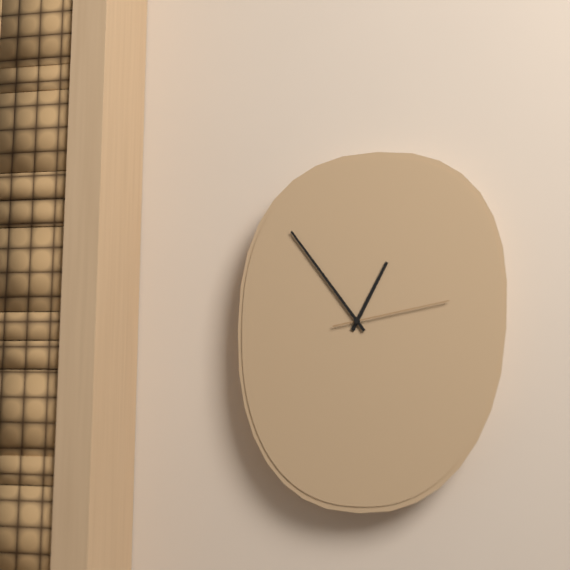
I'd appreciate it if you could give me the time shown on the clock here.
12:54:13
